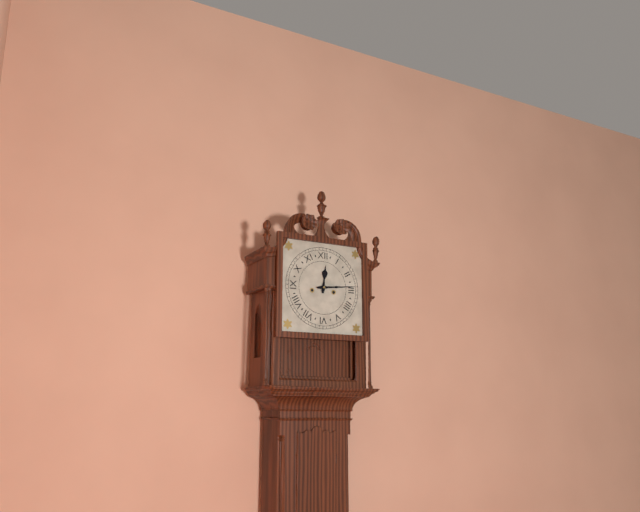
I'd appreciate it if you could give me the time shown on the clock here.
12:14
